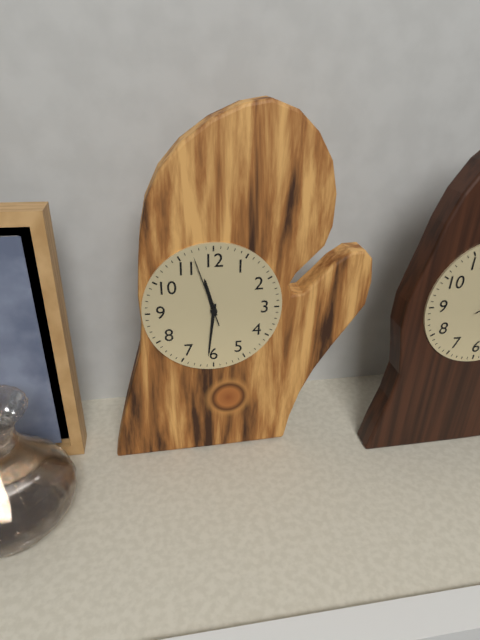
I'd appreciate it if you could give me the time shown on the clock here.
11:31:57
